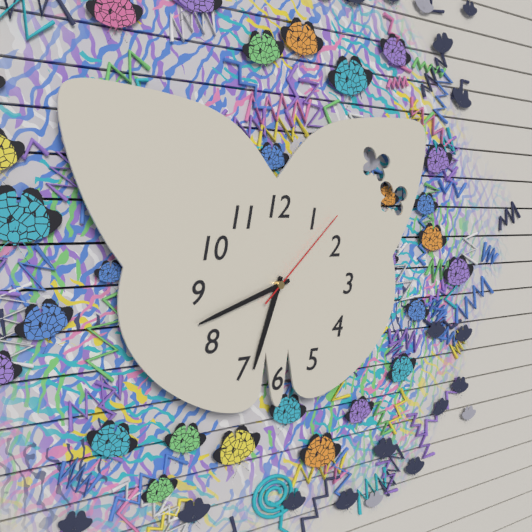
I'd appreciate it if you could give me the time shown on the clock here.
6:42:08
